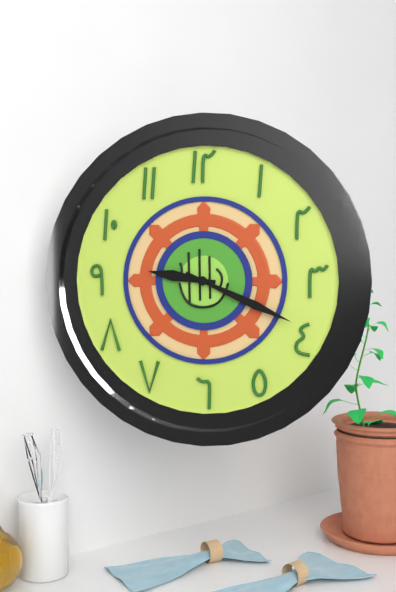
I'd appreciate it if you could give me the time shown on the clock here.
9:19
